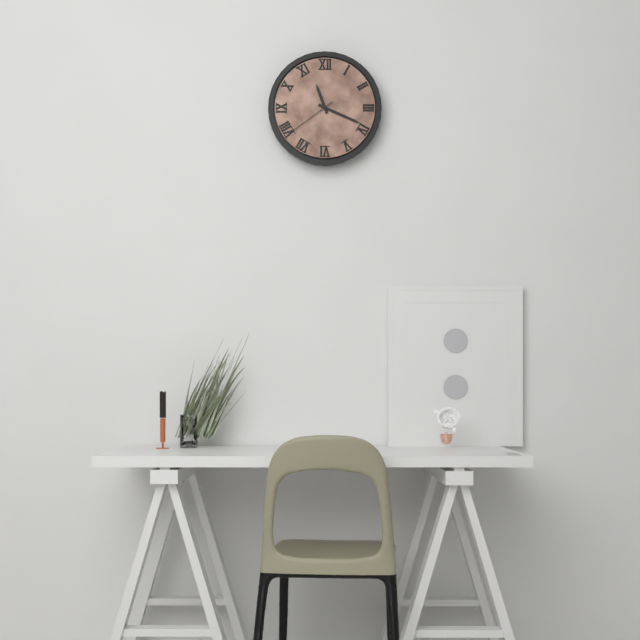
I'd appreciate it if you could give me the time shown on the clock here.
11:19:39
